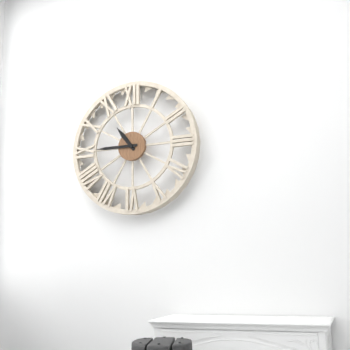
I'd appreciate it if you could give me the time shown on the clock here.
10:45
